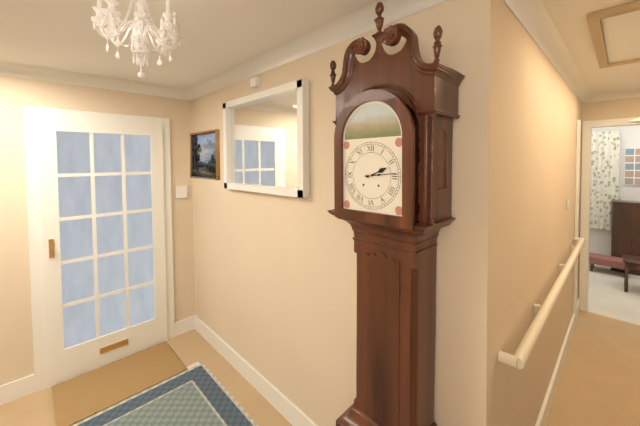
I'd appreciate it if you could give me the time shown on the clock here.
2:14
